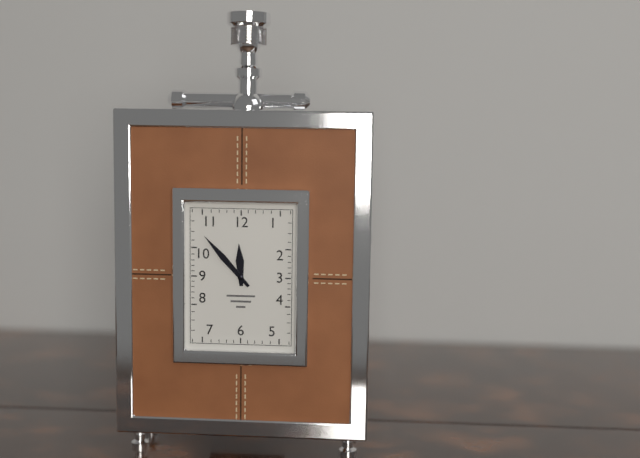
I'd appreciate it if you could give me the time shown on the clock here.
11:53
